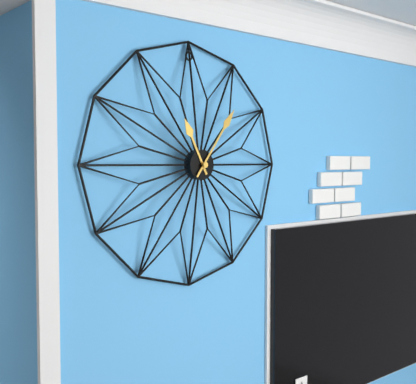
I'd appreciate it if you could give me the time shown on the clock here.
11:06
